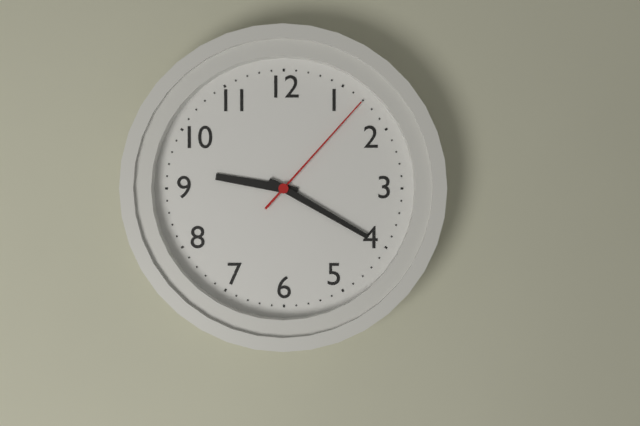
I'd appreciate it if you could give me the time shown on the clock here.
9:20:07
